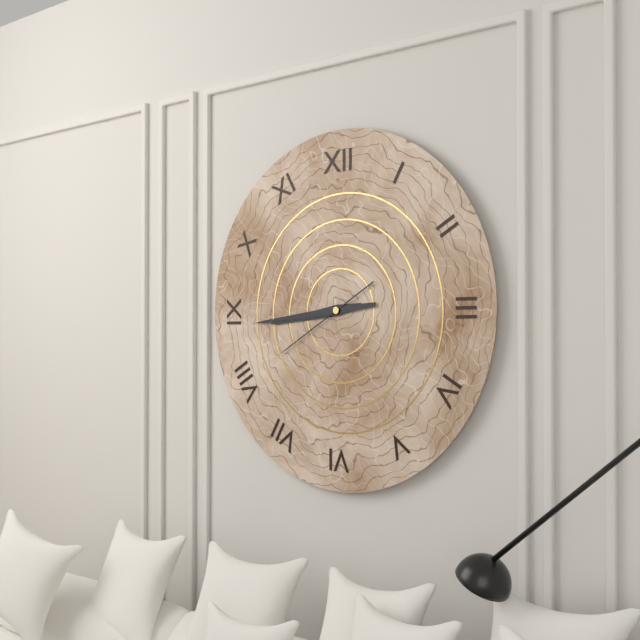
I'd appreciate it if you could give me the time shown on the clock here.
8:44:40
